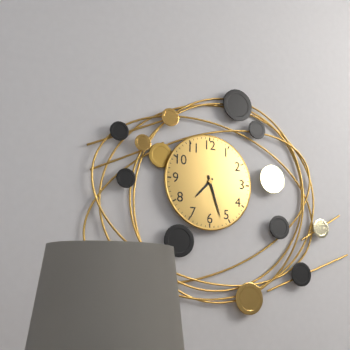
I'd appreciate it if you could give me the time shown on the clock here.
7:27
